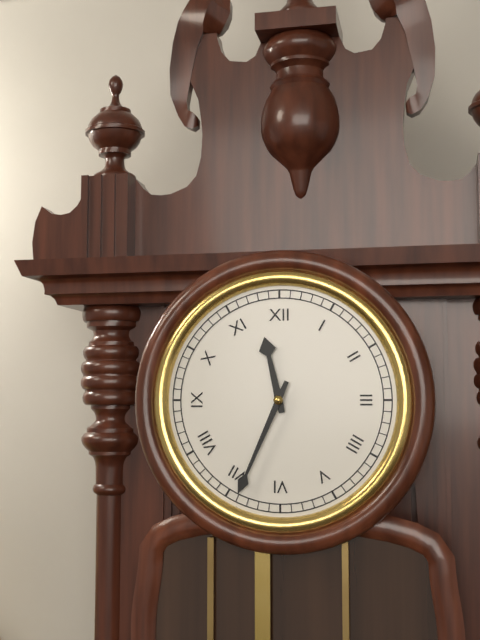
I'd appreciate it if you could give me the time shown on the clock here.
11:34
